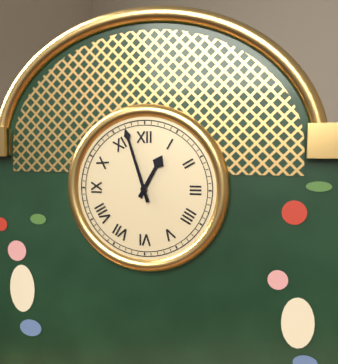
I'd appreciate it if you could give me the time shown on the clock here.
12:57
